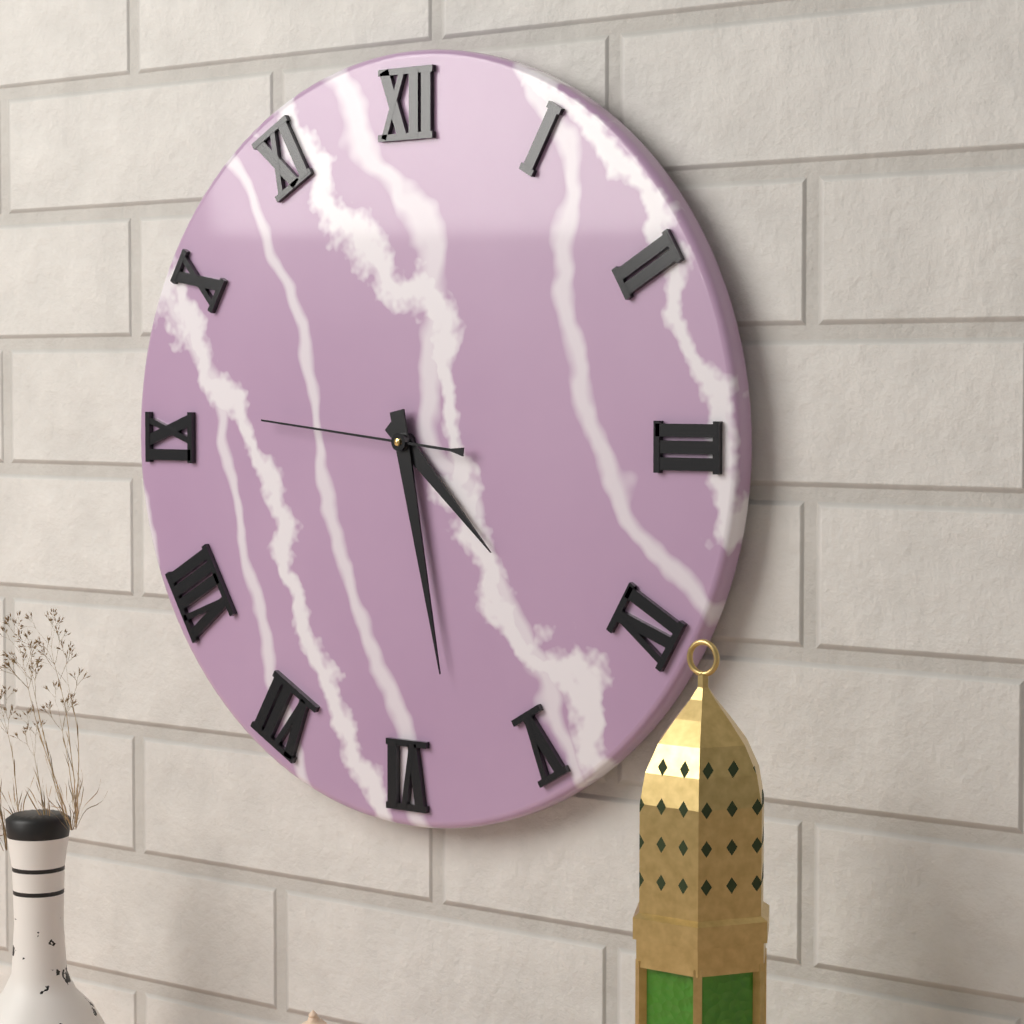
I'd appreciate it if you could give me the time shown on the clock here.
4:28:46
